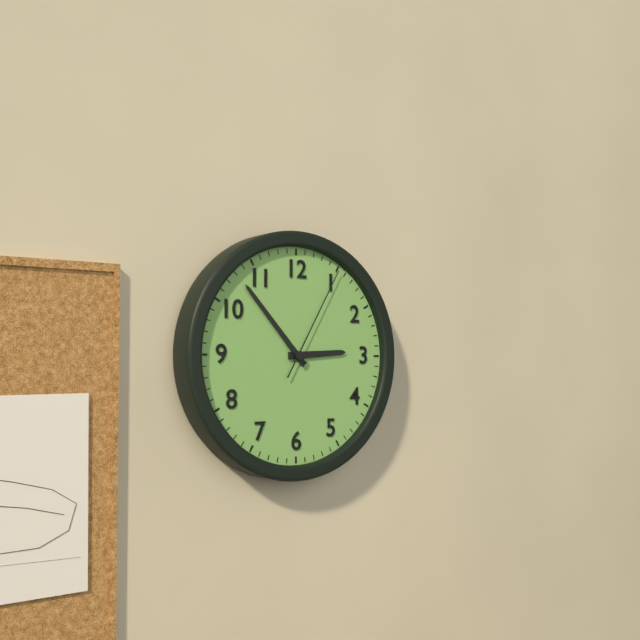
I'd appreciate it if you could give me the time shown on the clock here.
2:53:05
